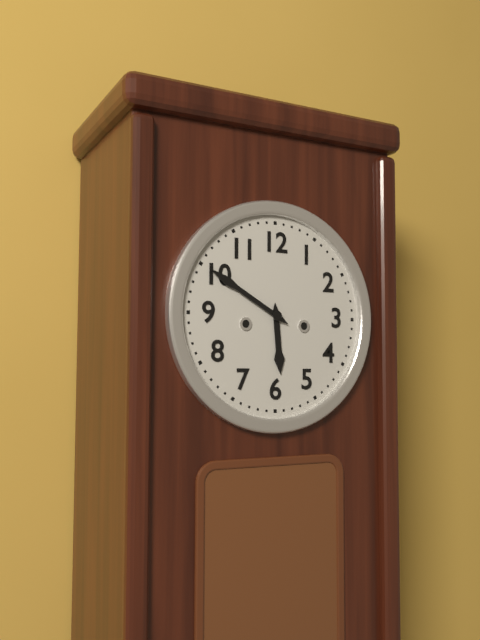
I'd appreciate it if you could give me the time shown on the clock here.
5:50
